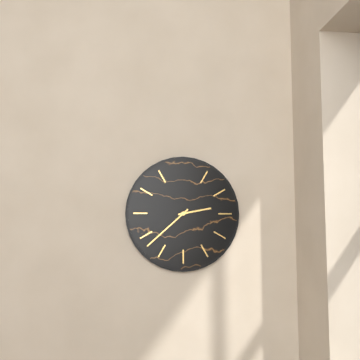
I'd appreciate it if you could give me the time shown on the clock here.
2:38
